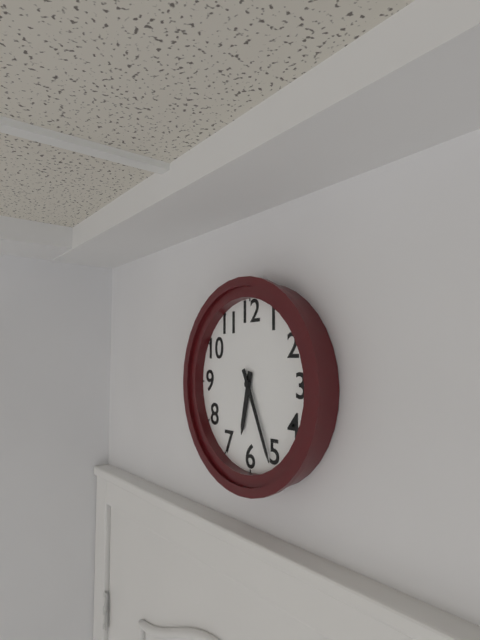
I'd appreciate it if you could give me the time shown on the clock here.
6:26
